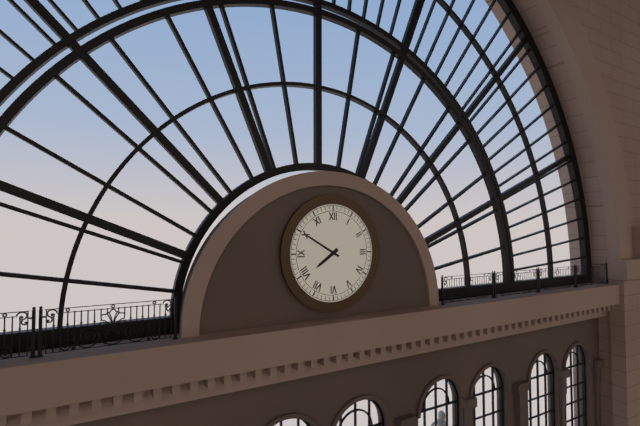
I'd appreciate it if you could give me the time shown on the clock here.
7:50
